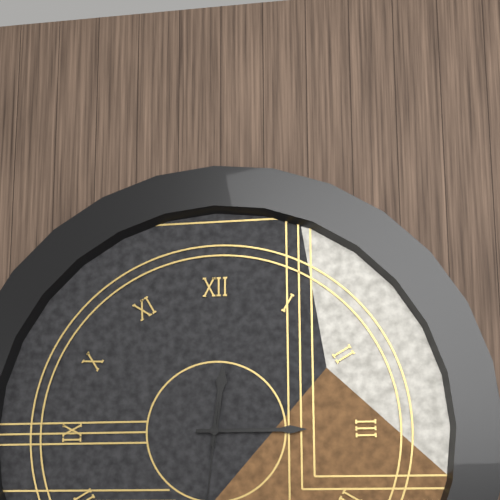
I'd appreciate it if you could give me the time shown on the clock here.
12:15
